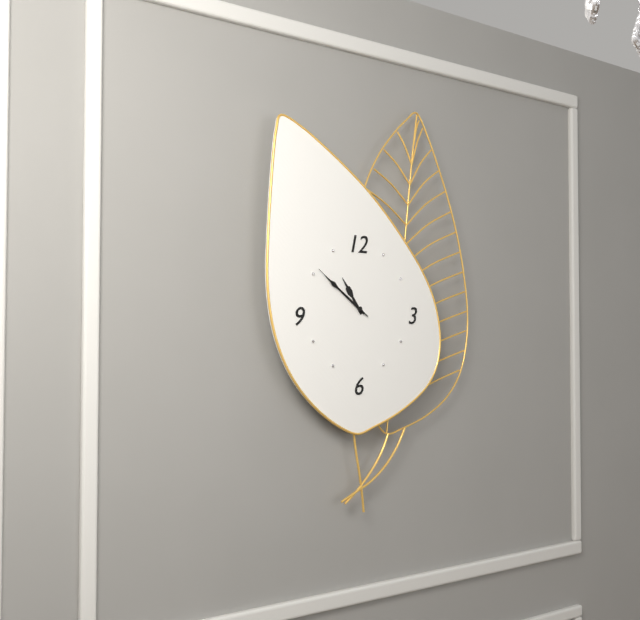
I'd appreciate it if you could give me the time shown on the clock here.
10:51:51
